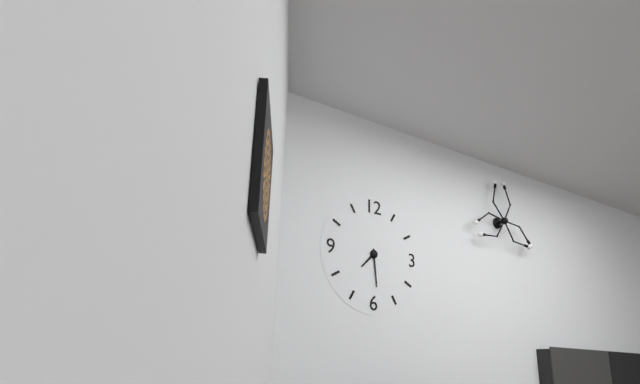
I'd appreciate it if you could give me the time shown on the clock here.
7:29
